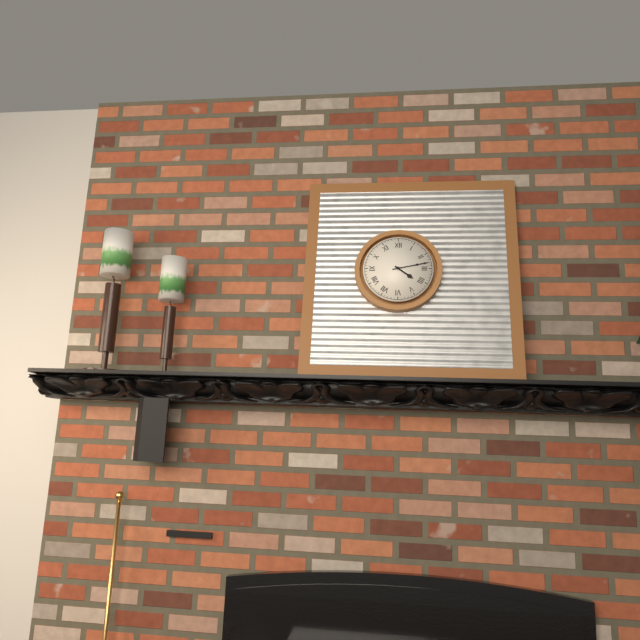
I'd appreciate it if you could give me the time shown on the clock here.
4:13
